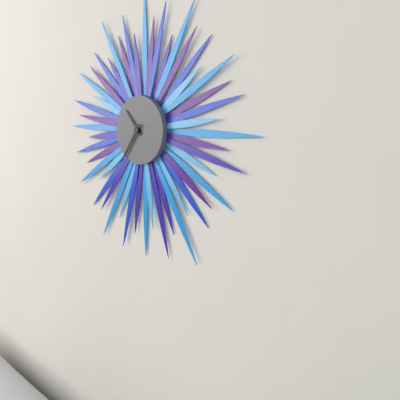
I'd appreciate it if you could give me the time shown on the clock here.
10:36
